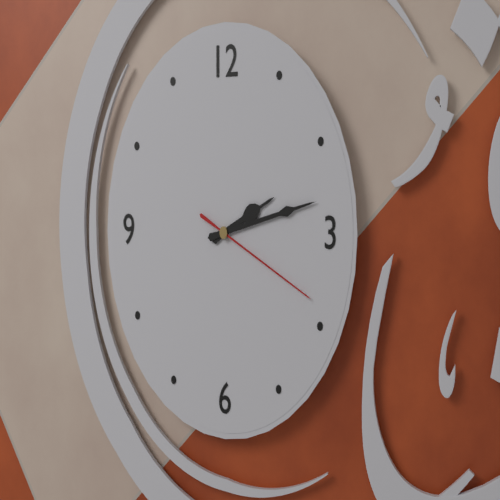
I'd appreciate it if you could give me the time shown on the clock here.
2:13:19
